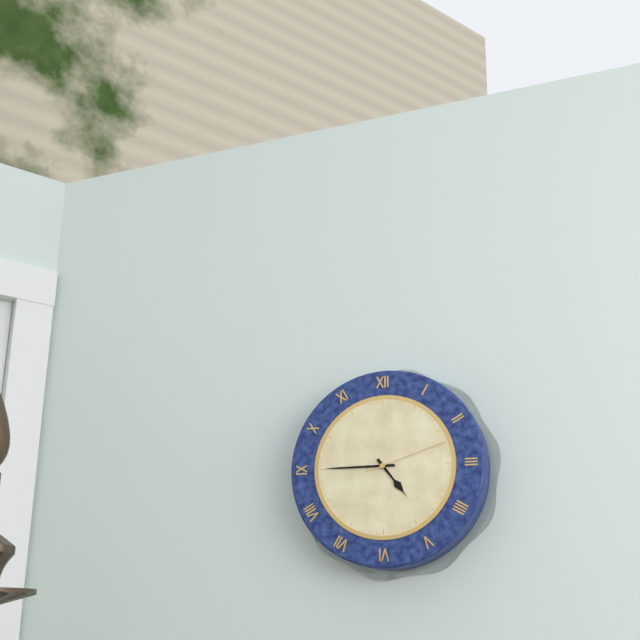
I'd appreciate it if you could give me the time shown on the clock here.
4:45:12
